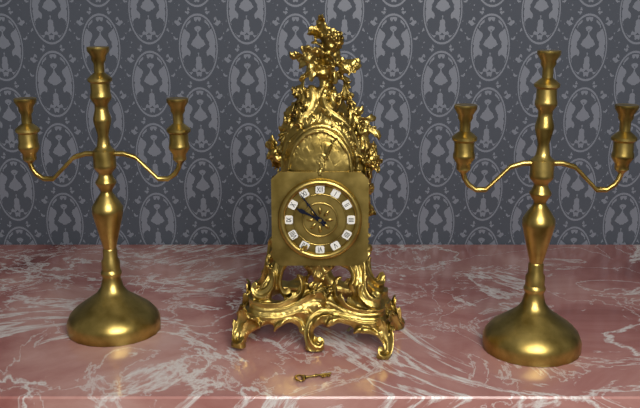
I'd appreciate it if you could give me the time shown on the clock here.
9:54
